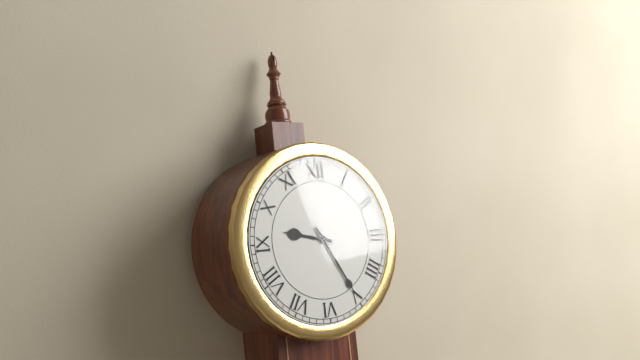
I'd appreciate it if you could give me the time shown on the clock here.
9:25
